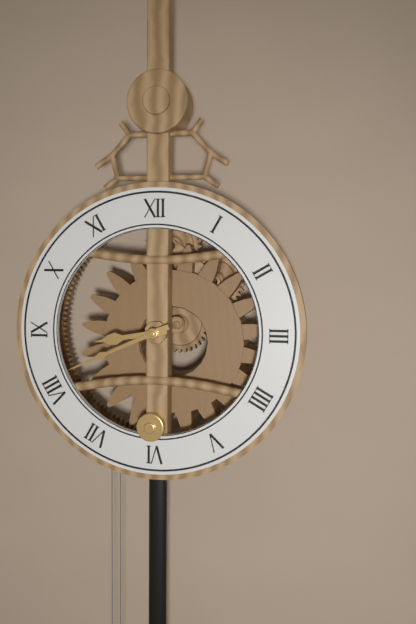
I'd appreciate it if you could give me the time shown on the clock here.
8:41
